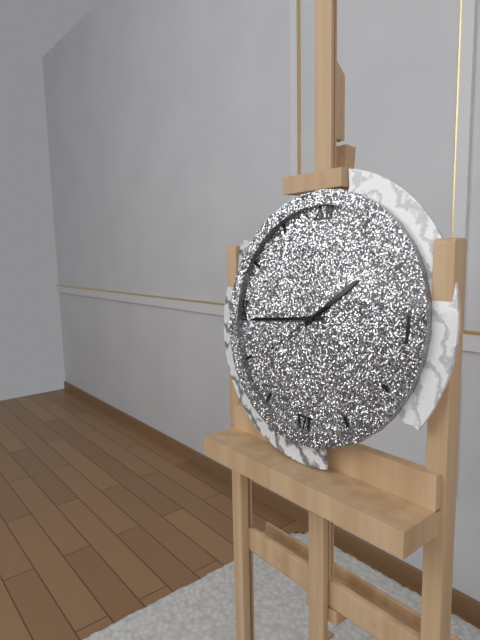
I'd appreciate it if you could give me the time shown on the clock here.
1:44:39
